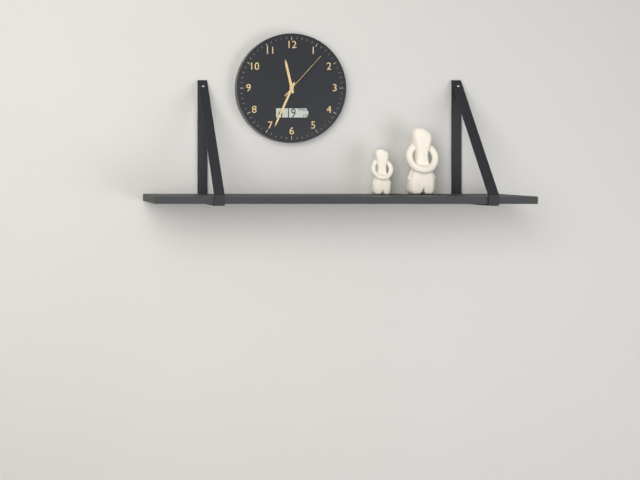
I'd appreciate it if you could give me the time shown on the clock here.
11:34:07
